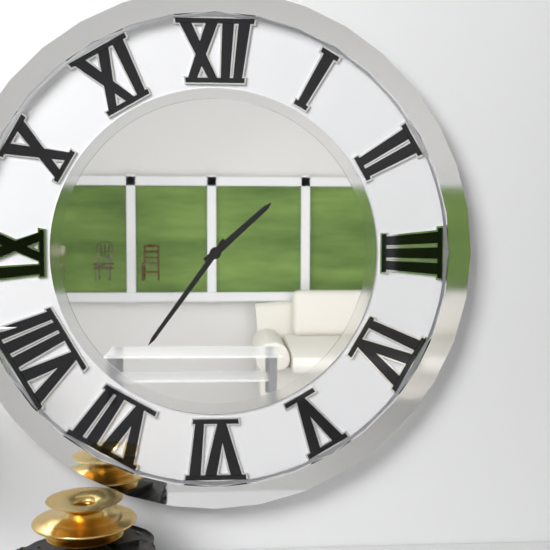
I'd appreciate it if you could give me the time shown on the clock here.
1:36
